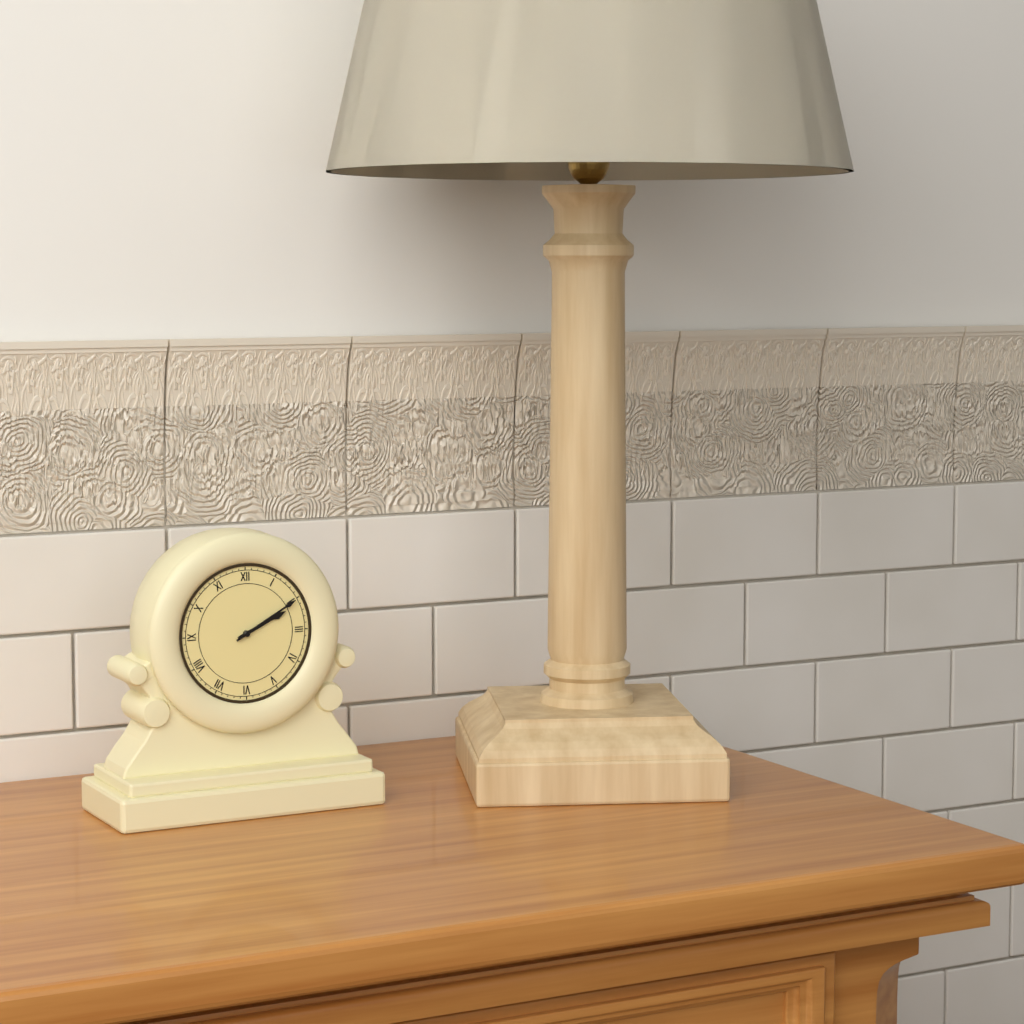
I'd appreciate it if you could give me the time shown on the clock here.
2:10
